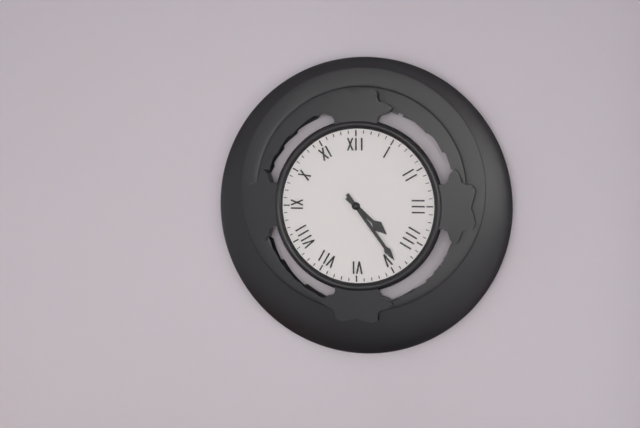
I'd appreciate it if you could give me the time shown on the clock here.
4:24
